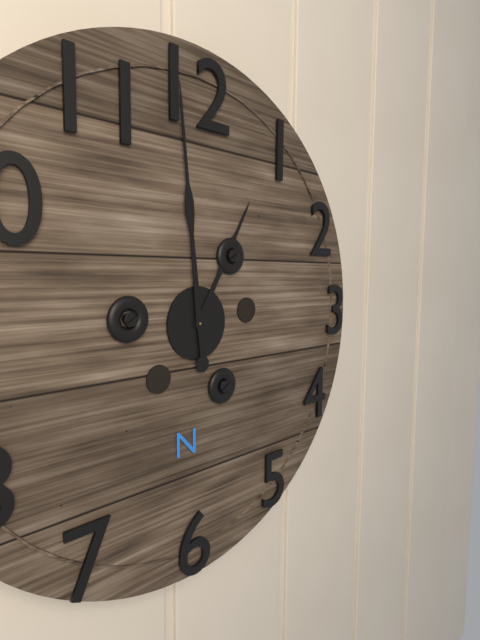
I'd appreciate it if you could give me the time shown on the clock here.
12:59
